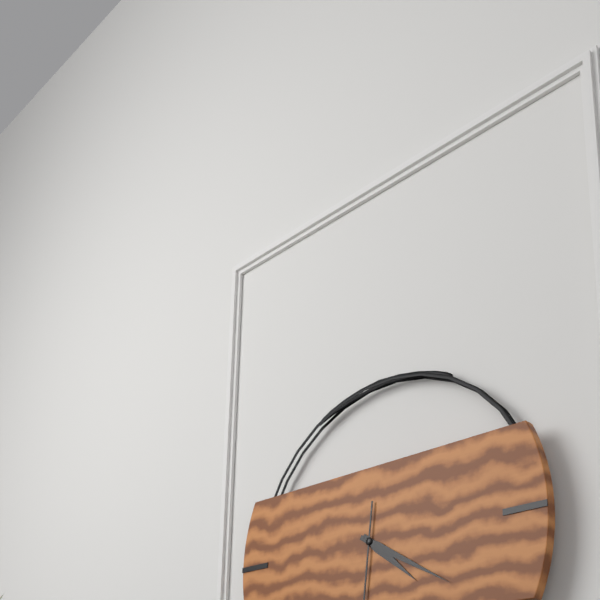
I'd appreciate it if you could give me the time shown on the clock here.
4:20
